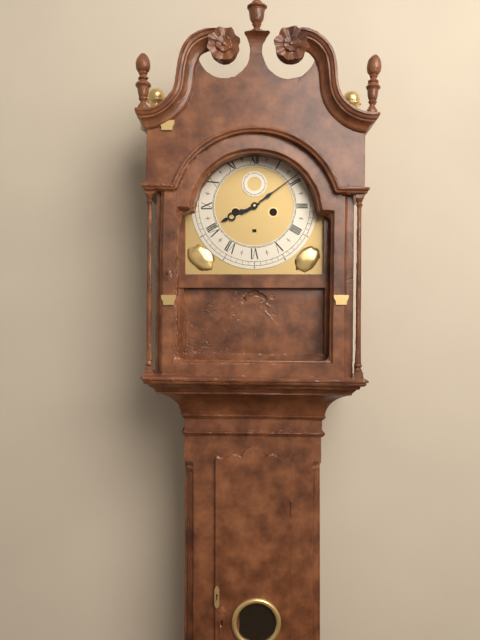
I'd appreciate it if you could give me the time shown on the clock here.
8:09
